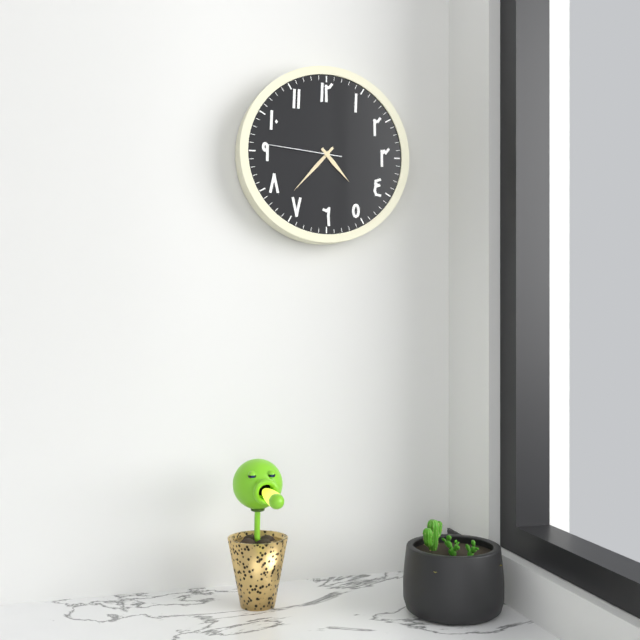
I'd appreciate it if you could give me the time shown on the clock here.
4:37:46
